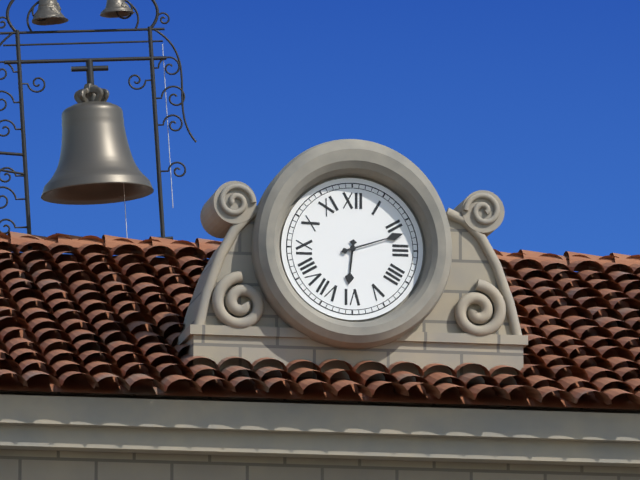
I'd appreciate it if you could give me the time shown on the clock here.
6:12
